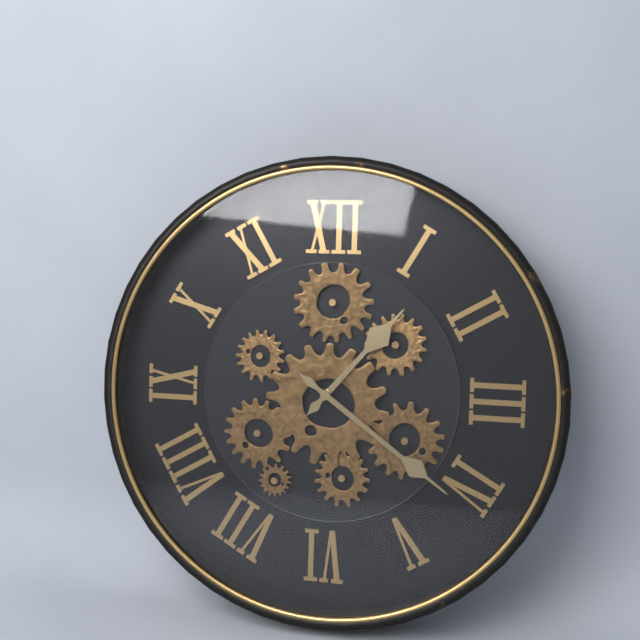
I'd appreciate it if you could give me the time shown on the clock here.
1:21
